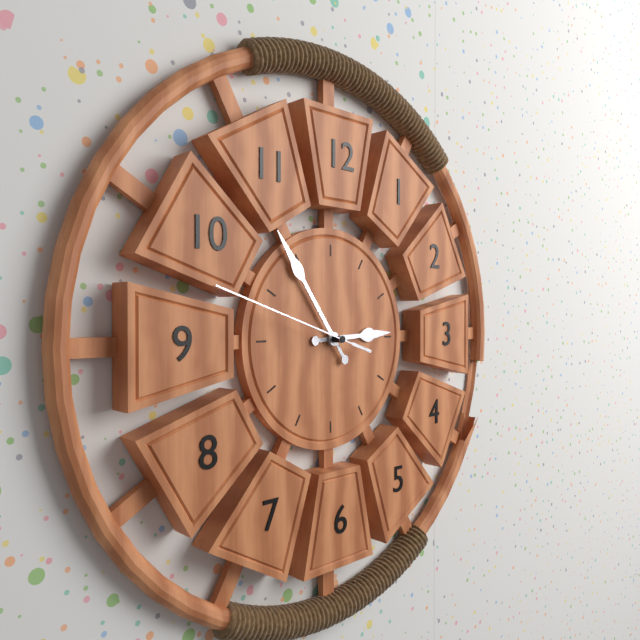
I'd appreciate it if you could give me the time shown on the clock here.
2:54:48
